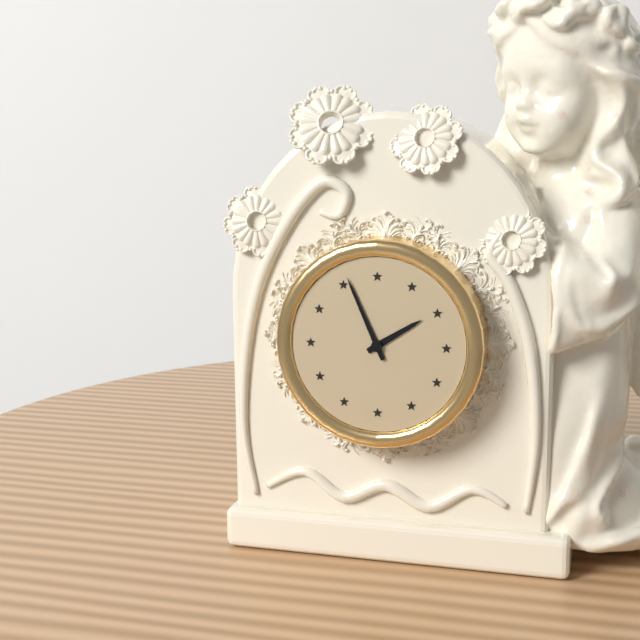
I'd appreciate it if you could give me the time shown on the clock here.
1:56
